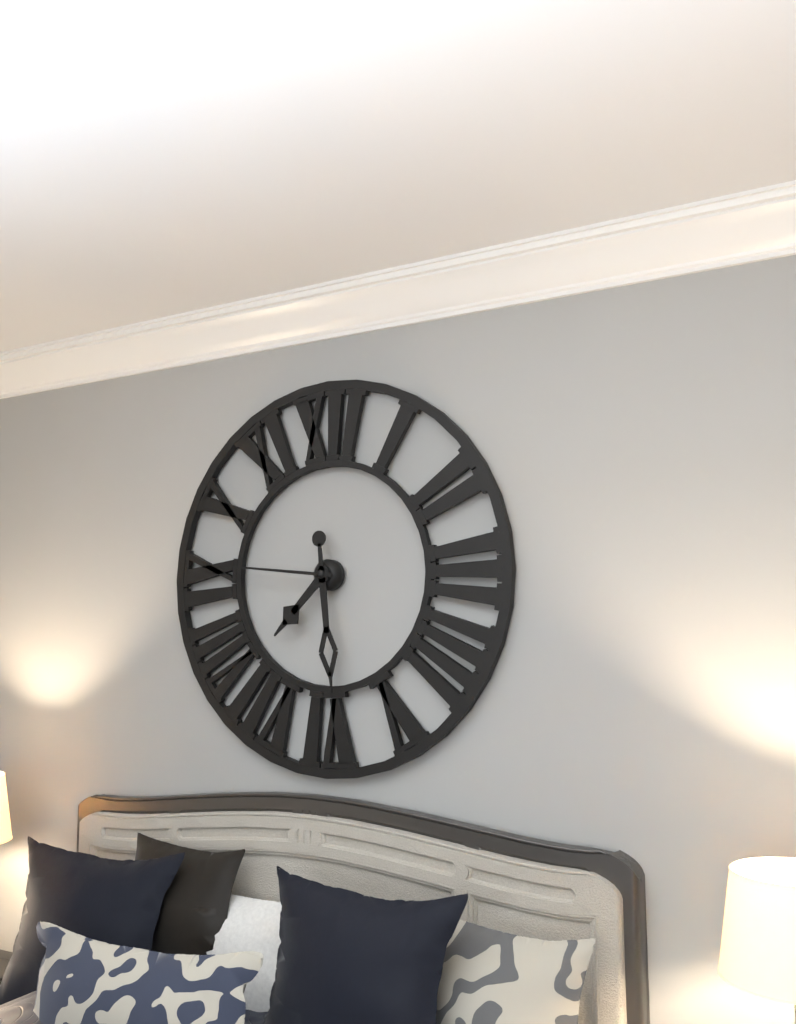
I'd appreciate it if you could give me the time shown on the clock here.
7:29:46
